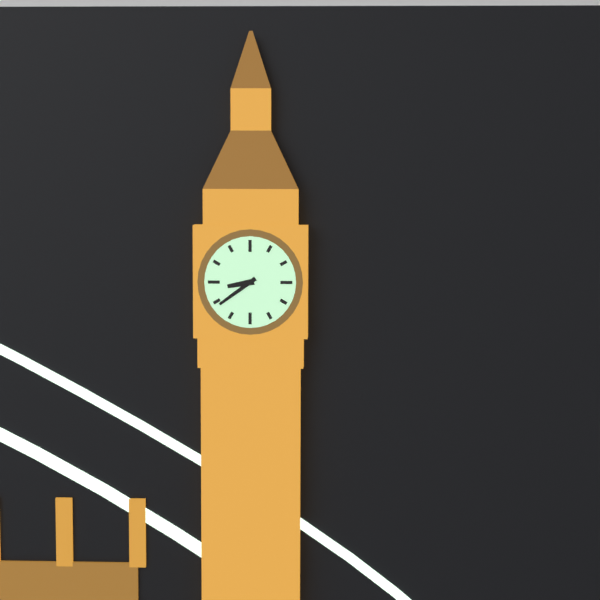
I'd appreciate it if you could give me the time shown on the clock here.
8:39
